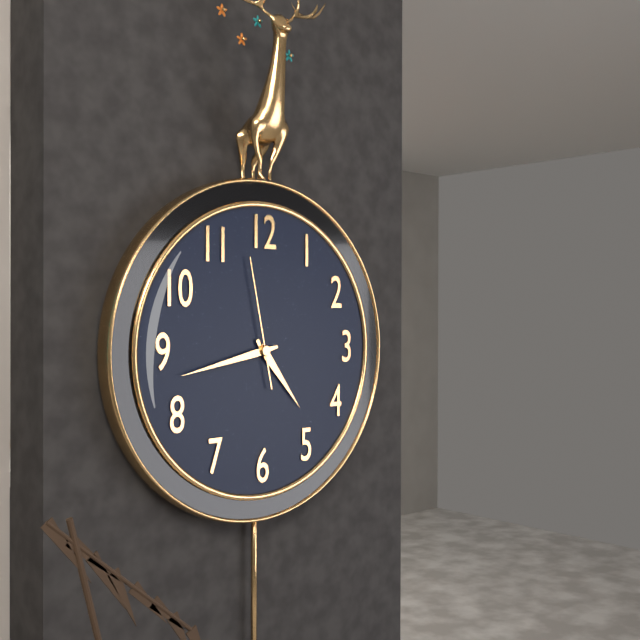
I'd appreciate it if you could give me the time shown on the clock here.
4:43:58
